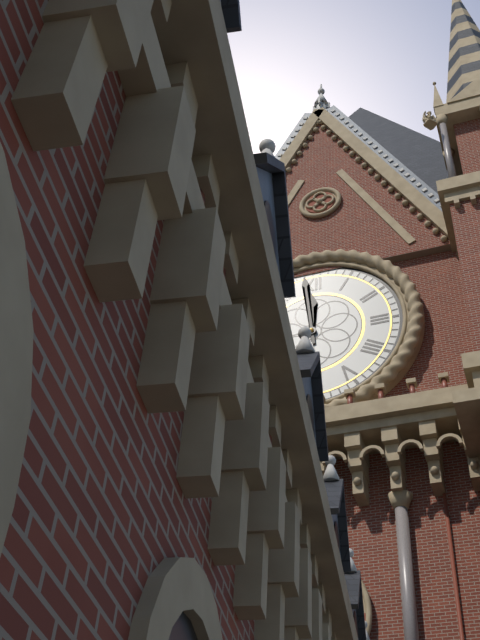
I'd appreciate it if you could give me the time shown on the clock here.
11:59
